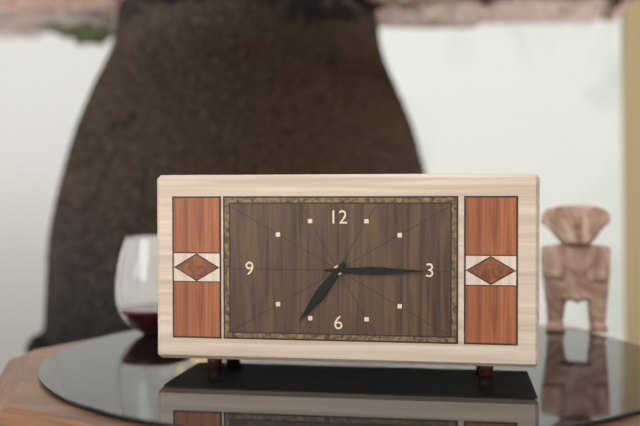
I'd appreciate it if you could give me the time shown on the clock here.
7:15
